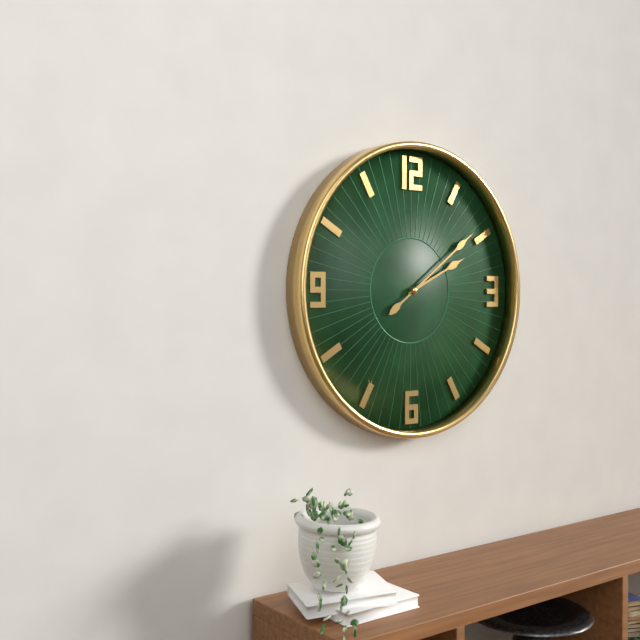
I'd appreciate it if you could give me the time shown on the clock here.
2:09
